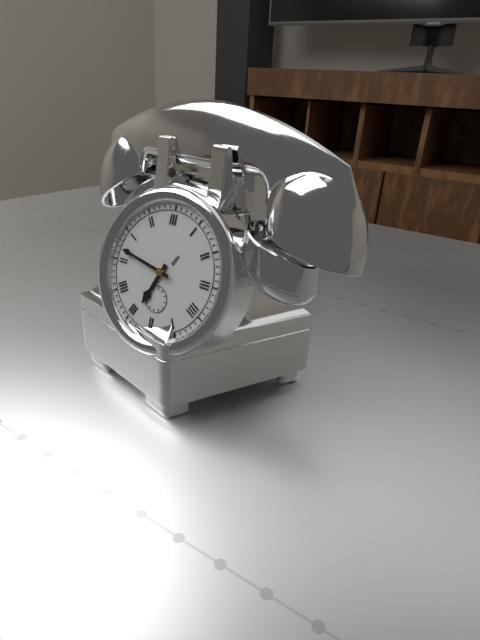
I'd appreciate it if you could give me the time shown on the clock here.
6:47
